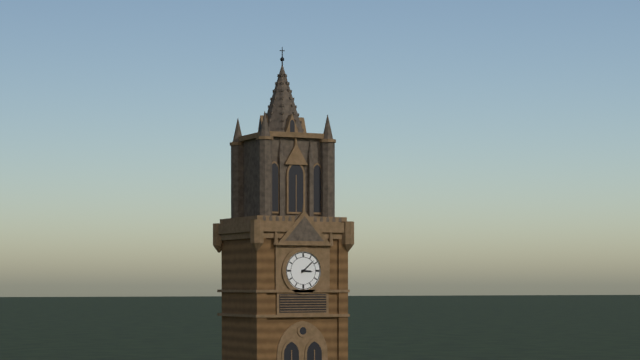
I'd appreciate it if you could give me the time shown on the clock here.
3:08
